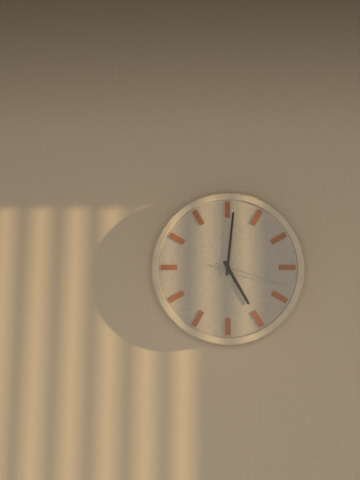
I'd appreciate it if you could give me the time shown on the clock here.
5:01:18
